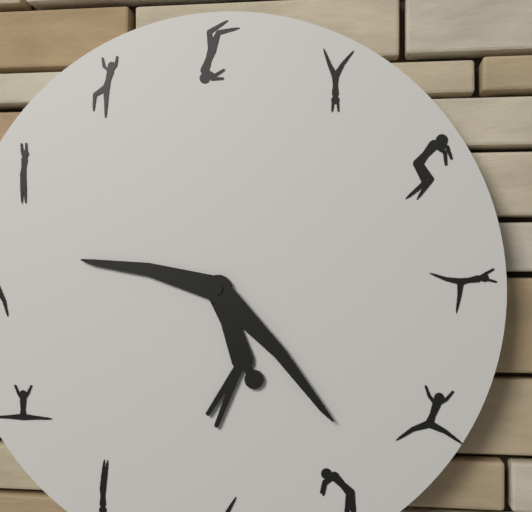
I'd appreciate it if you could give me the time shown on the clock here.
9:23
